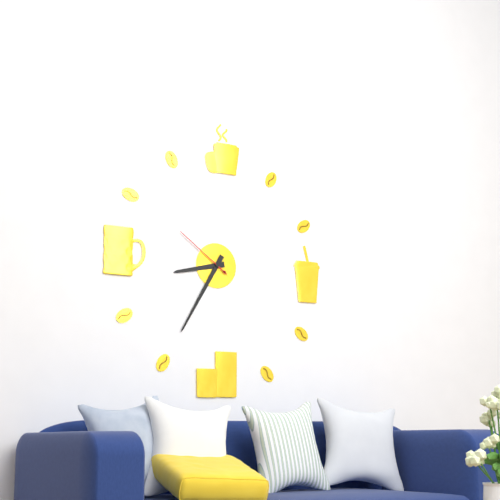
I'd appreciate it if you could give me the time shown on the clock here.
8:35:51
